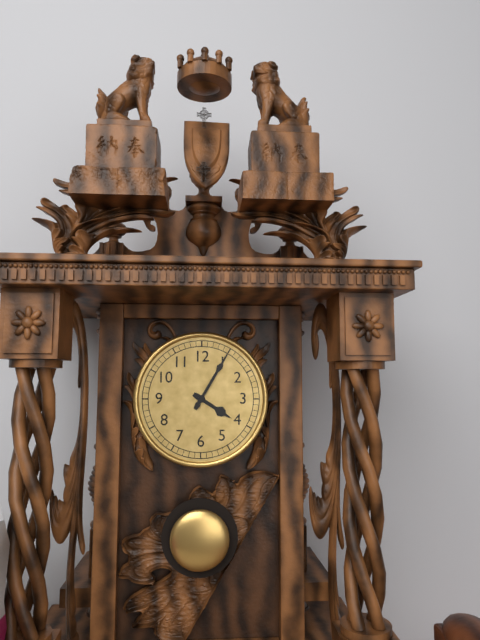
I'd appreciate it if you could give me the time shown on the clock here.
4:05
